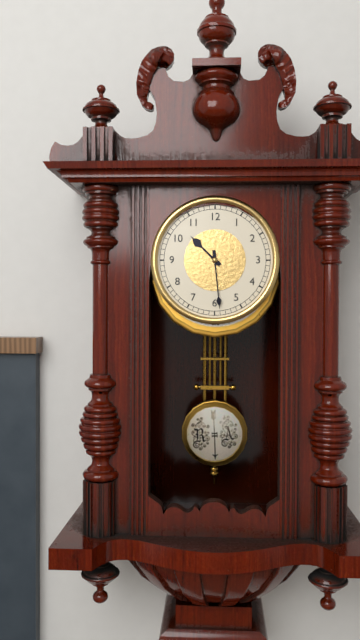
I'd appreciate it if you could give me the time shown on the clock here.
10:29
